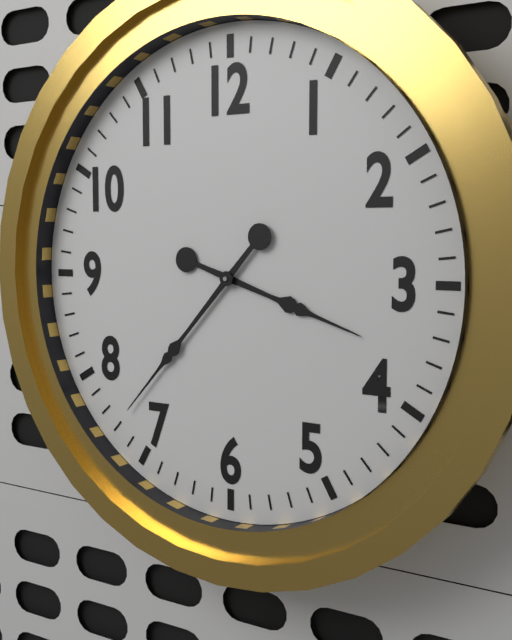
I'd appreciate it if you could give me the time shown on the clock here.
3:37
